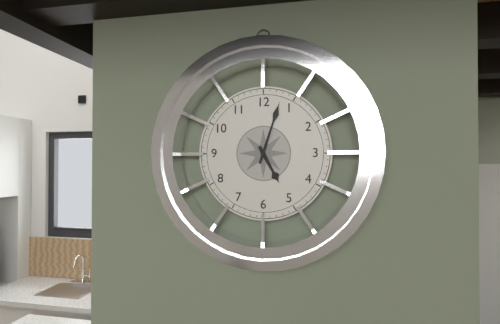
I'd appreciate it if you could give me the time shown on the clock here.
5:03
